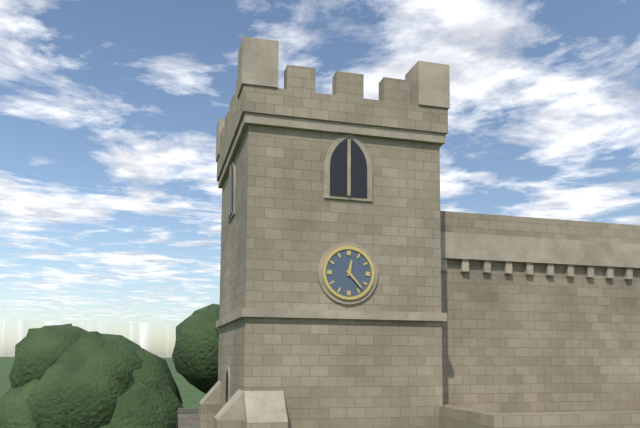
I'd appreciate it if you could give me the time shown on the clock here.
12:23
